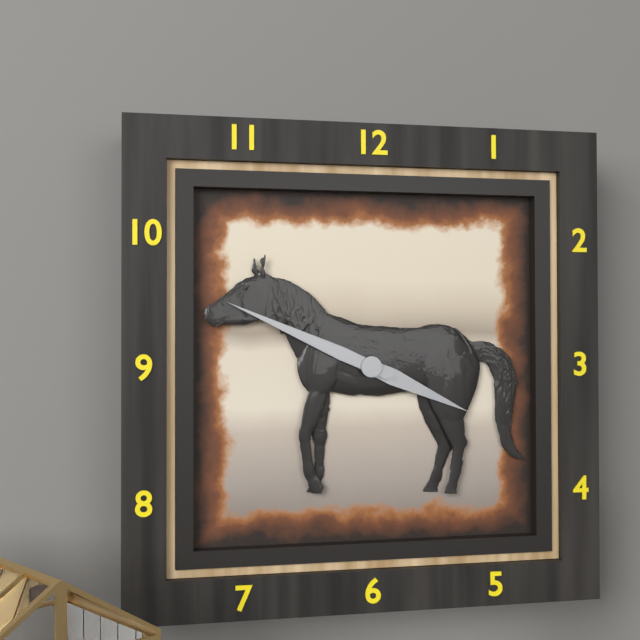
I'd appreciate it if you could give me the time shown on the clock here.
3:49
